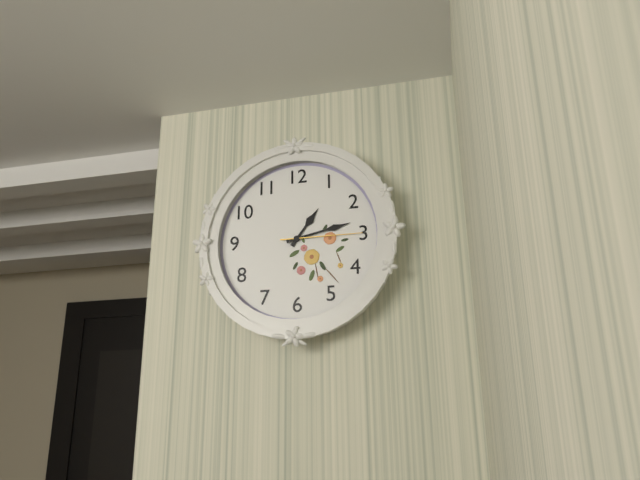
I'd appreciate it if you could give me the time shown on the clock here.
1:13:15
